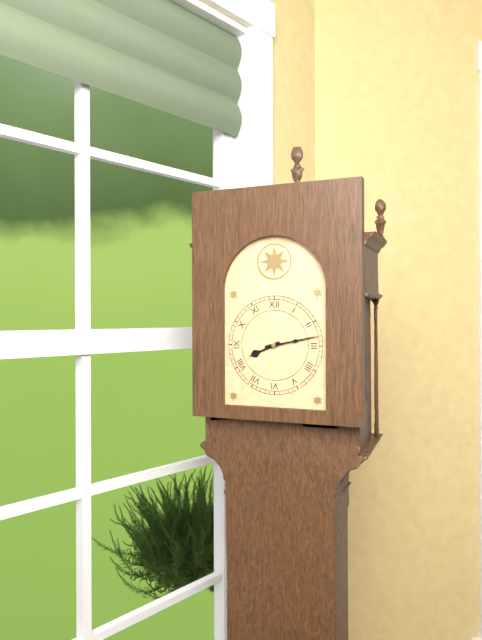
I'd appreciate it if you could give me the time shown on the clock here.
8:13
